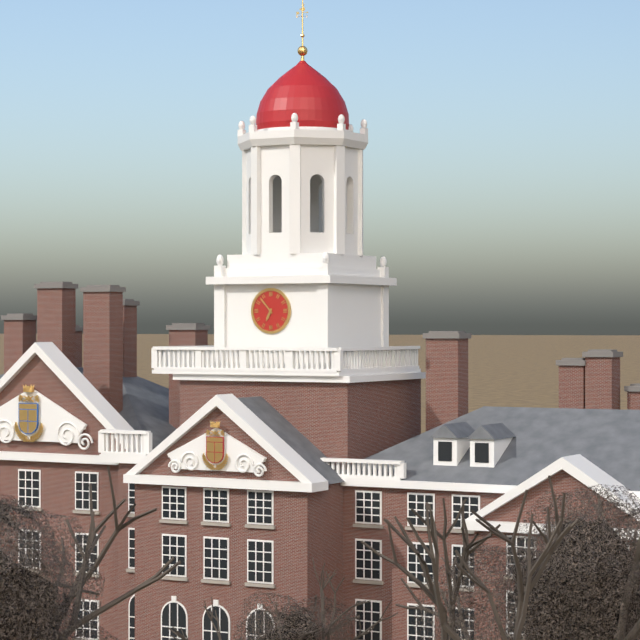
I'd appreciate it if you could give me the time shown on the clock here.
6:53
